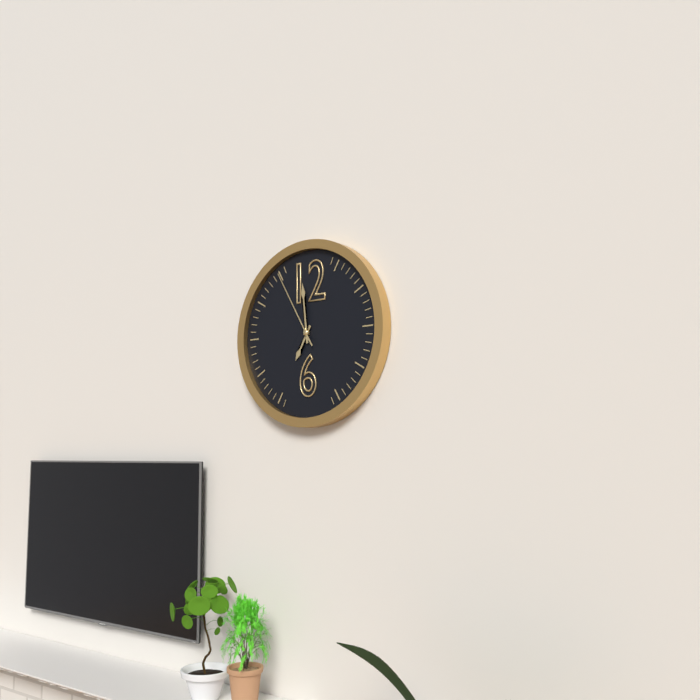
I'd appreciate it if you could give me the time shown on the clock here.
6:59:55
